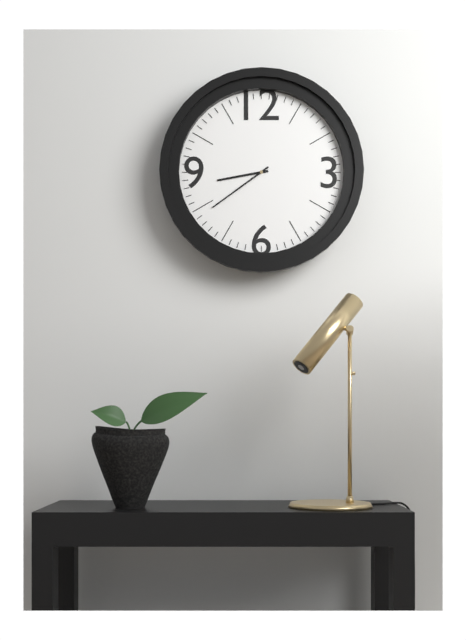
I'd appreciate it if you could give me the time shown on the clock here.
8:39
